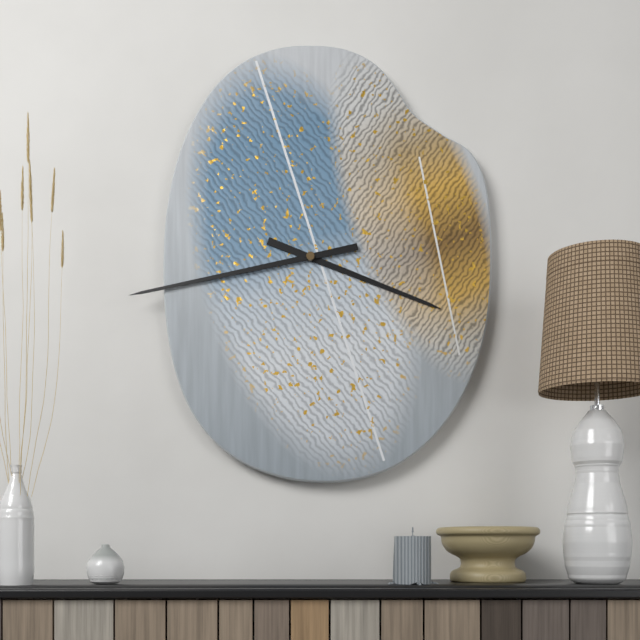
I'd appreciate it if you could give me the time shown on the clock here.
3:43
